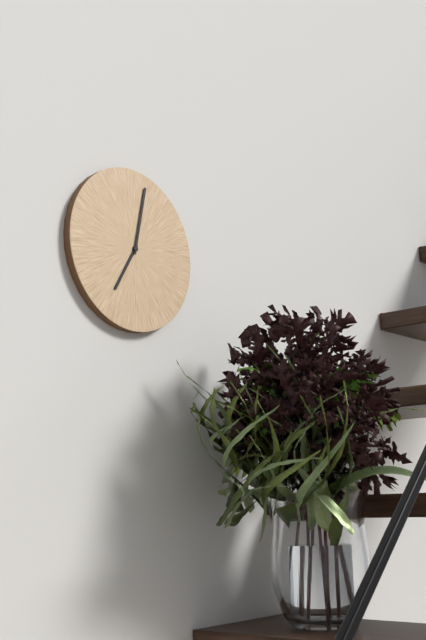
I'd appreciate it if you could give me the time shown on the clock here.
7:02
